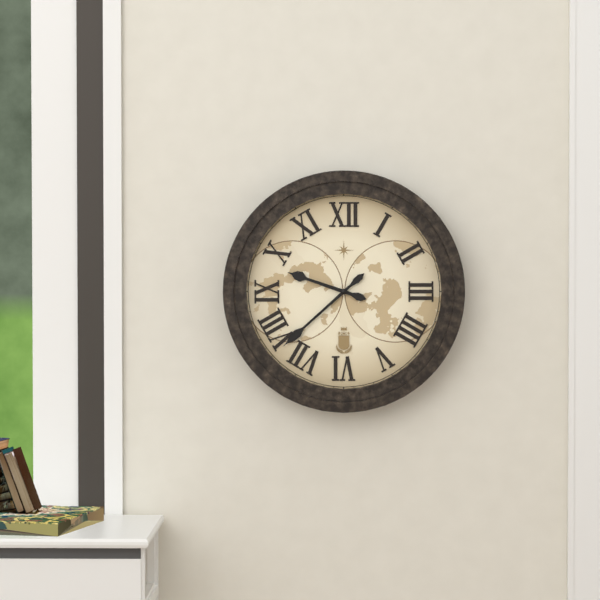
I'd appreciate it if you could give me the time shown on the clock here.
9:38
